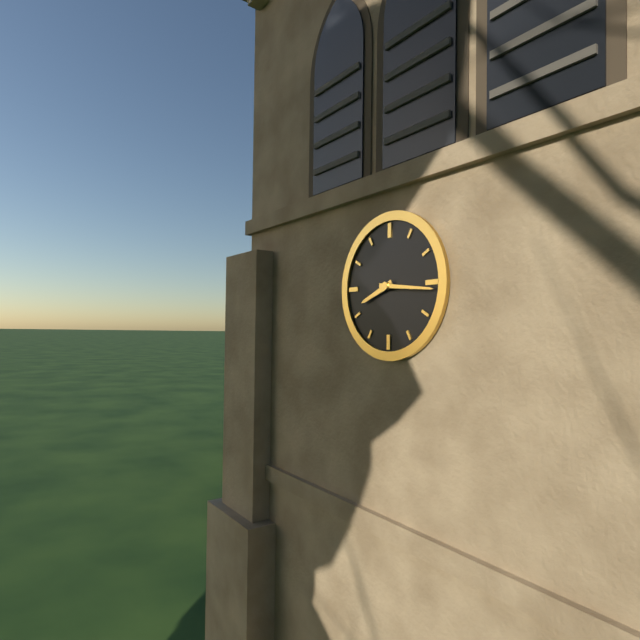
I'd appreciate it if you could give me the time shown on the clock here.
8:16
